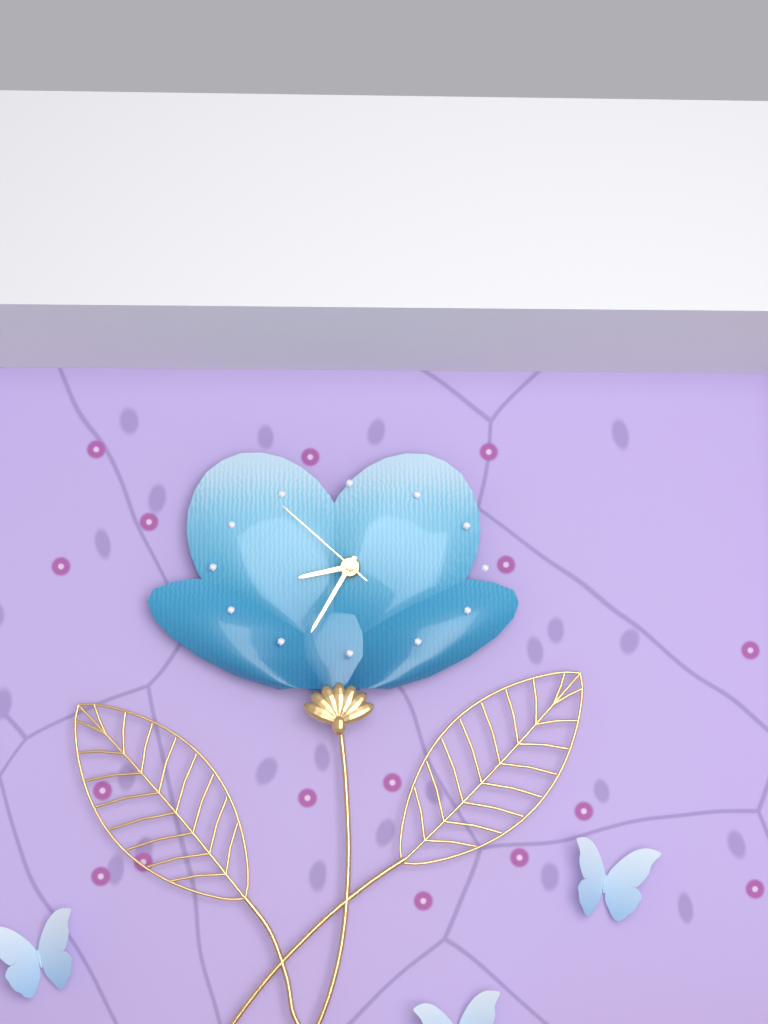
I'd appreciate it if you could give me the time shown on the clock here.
8:35:52
